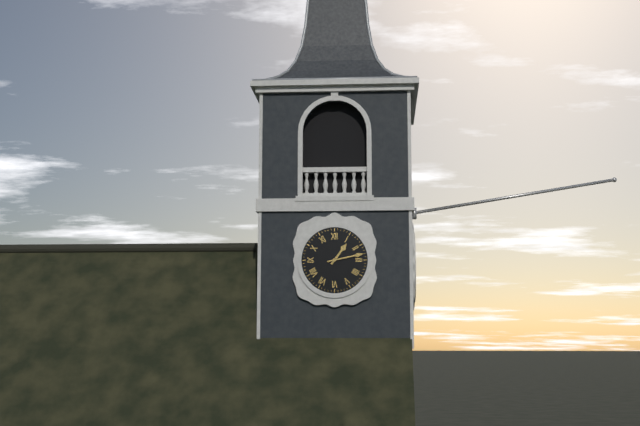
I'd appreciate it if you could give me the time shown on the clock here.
1:13
